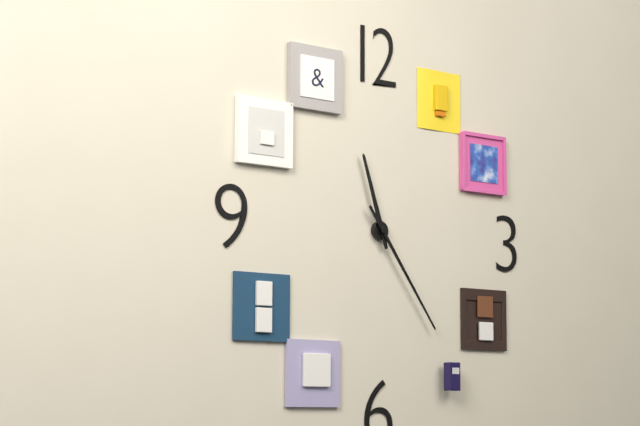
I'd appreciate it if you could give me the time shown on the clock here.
11:24
